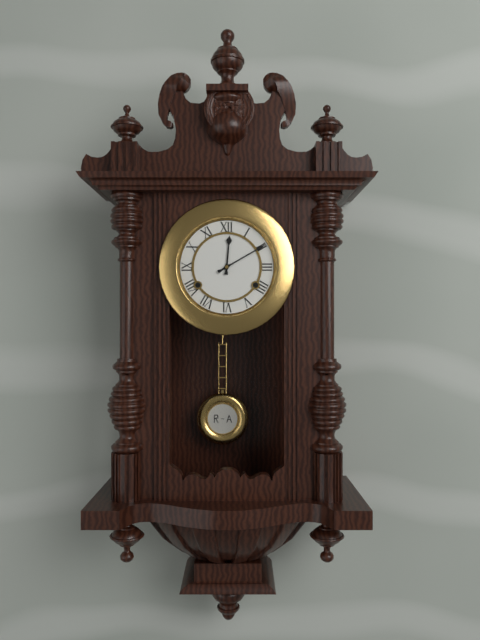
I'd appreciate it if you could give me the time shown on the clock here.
12:10
